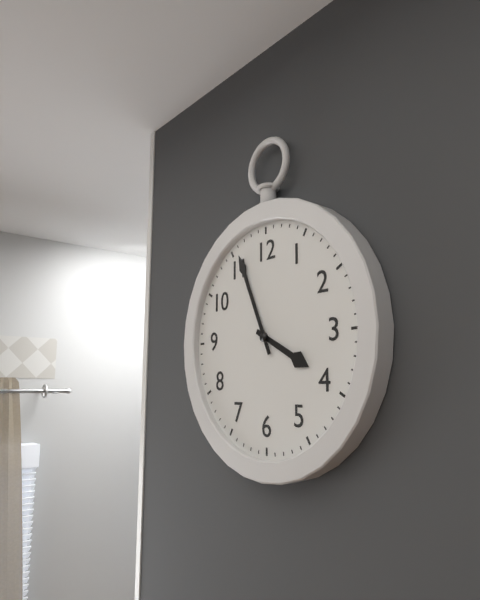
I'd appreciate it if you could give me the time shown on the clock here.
3:56
